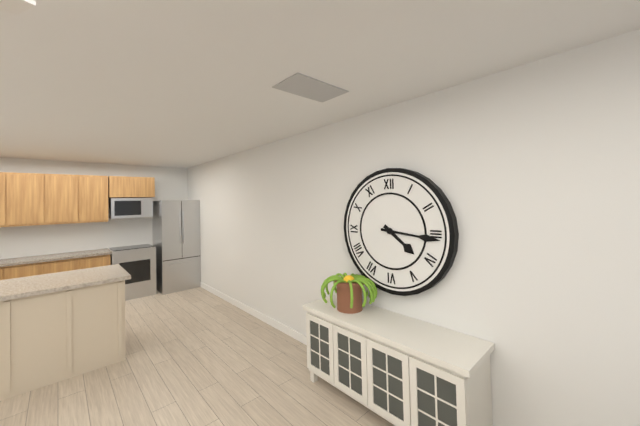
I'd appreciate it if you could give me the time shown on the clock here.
4:16
